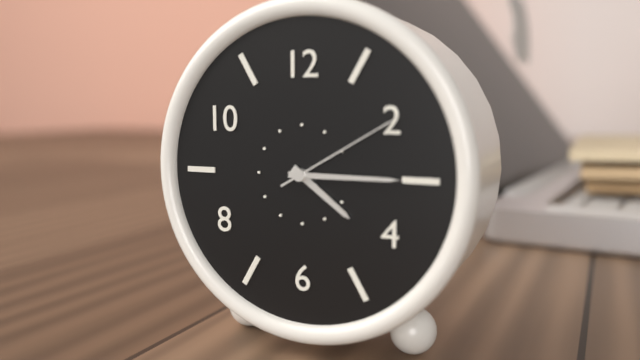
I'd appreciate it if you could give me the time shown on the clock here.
4:15:10
